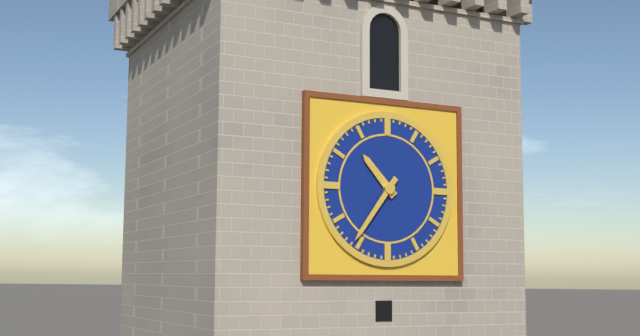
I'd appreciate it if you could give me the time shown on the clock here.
10:36
